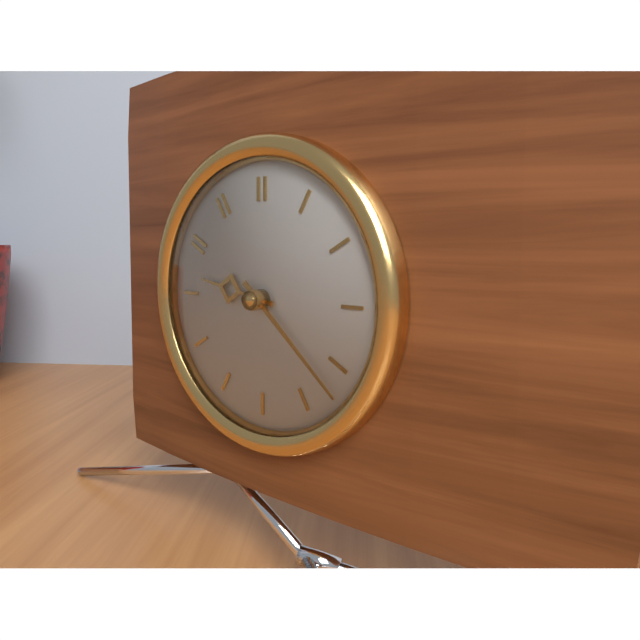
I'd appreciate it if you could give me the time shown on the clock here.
9:22
